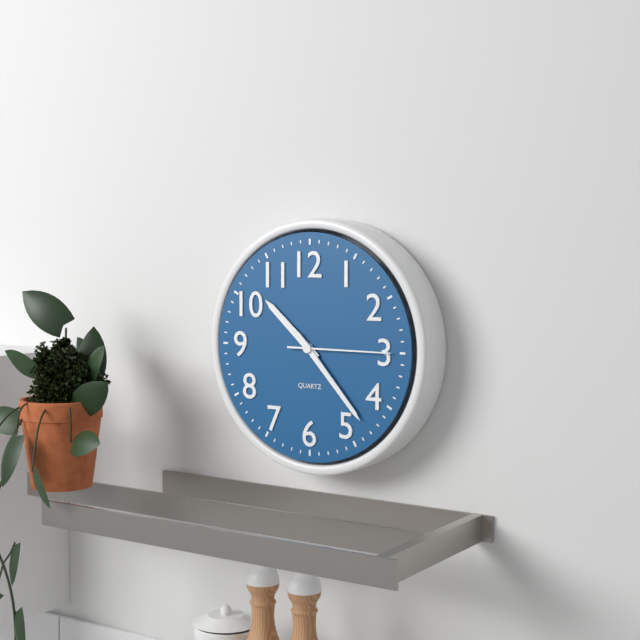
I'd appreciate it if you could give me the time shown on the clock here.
10:23:15
